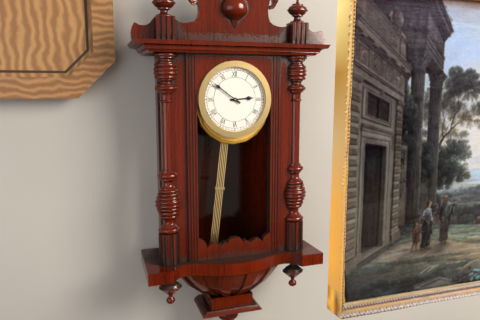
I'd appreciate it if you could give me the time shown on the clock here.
2:51
